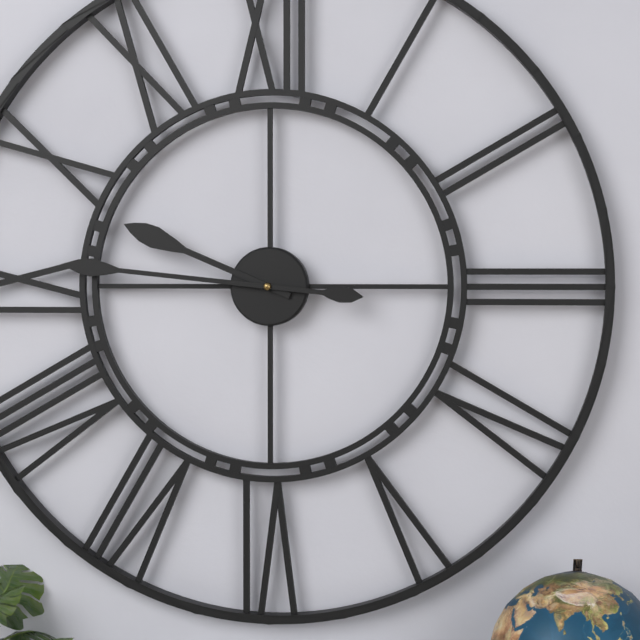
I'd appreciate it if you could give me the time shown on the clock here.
9:46
